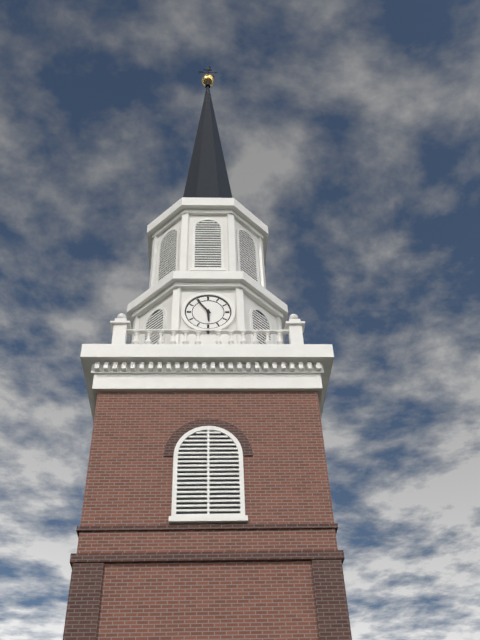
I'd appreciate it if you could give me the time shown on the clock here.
5:54
